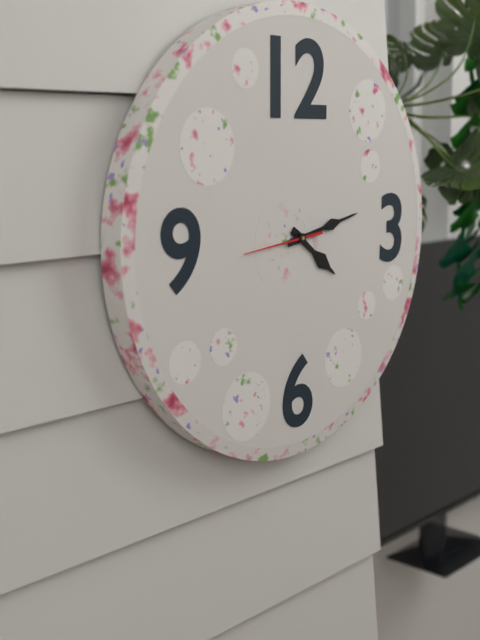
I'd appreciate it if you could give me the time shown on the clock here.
4:13:44
